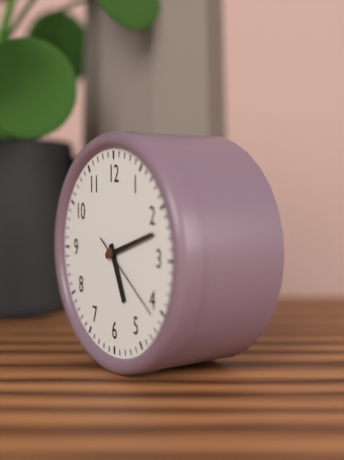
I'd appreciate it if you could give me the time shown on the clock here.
5:12:21
